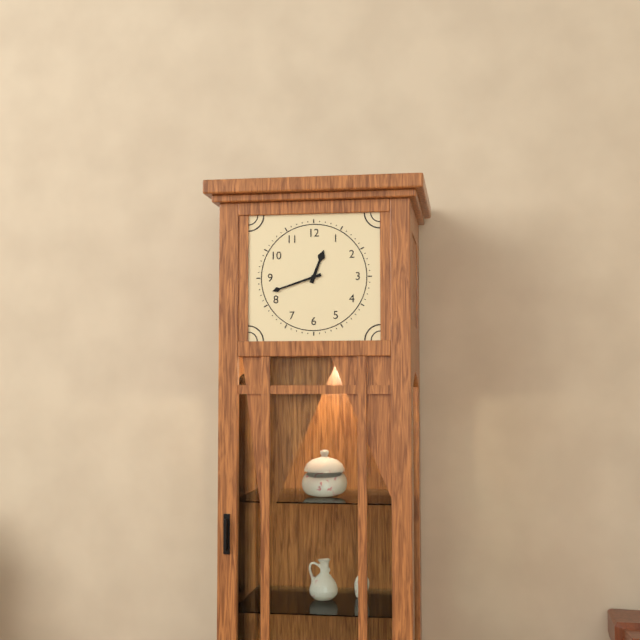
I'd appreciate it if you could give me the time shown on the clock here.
12:42
